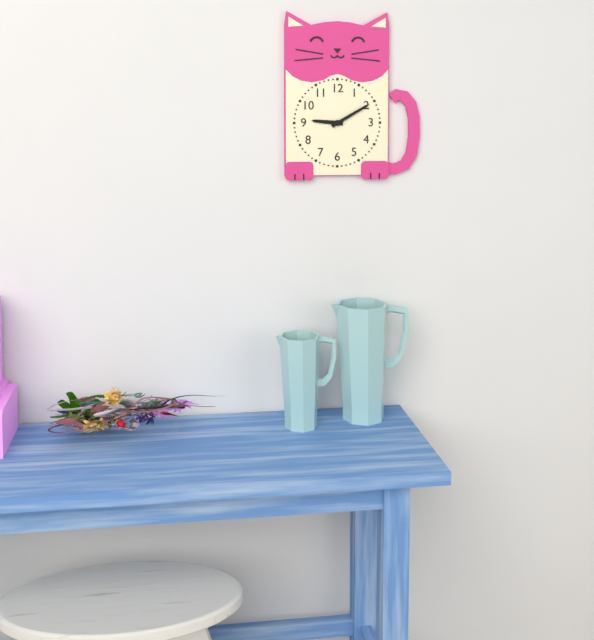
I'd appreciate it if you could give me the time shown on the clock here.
9:10
